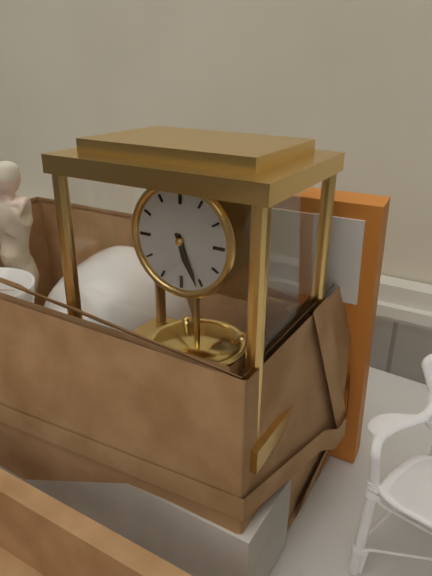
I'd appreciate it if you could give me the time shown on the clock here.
5:26
